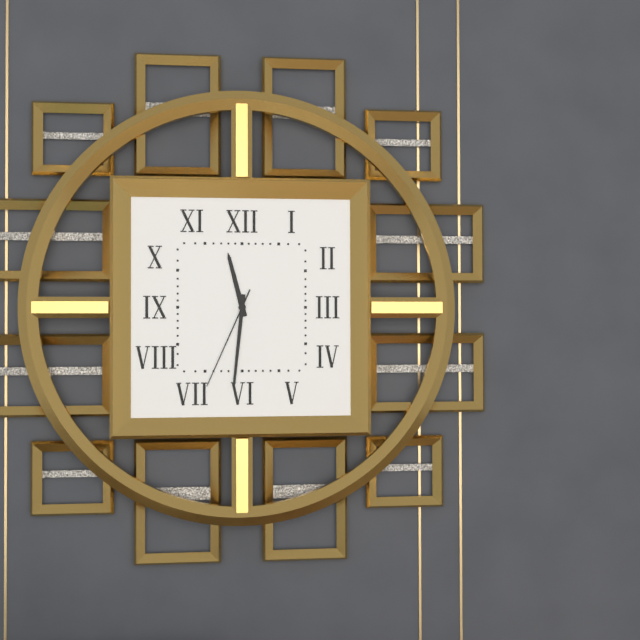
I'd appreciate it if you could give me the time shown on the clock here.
11:31:34
